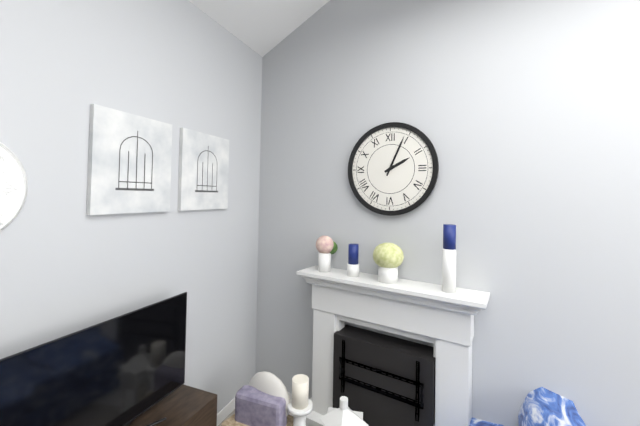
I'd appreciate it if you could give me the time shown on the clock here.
2:04
